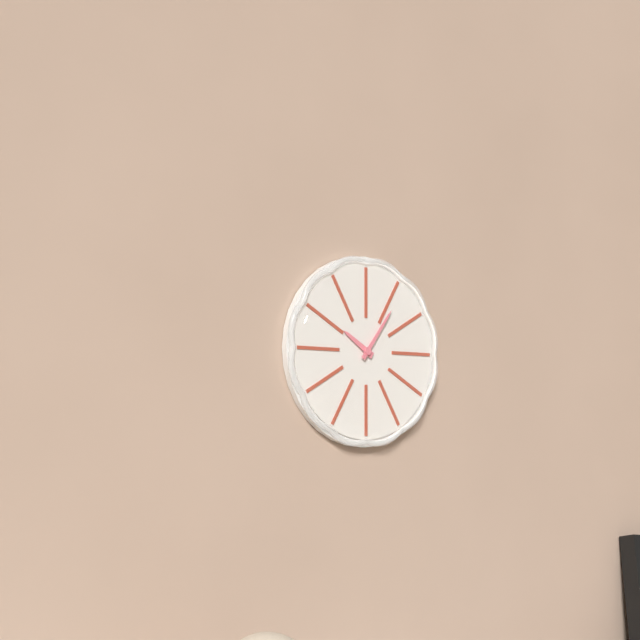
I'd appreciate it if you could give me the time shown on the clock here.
10:06
